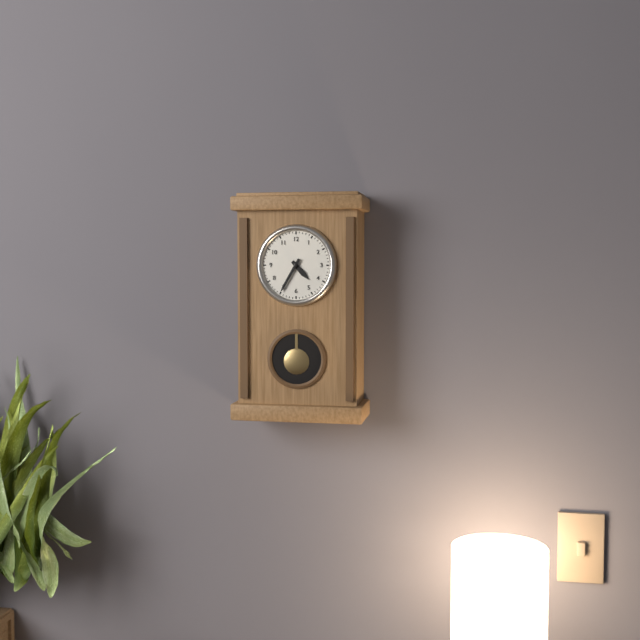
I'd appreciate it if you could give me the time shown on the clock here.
4:35
